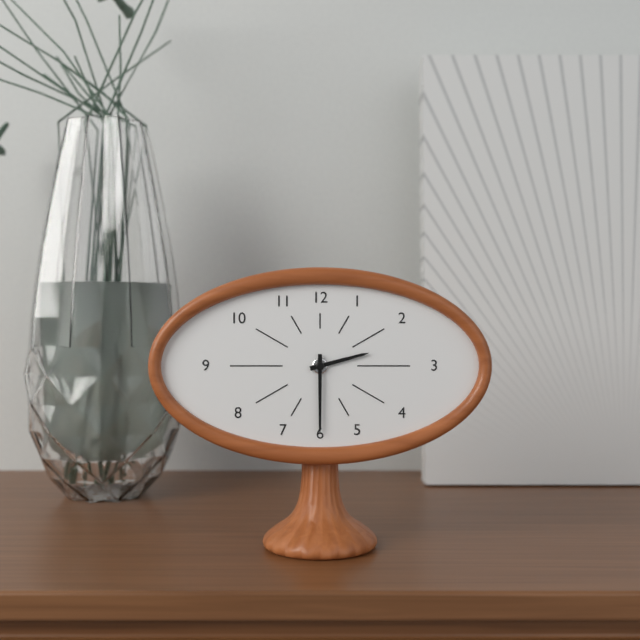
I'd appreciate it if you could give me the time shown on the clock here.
2:30
